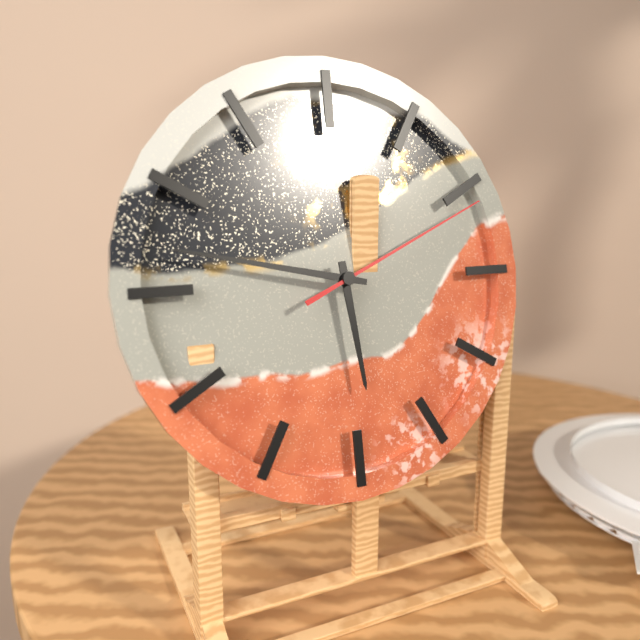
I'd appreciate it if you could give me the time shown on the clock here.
5:47:11
